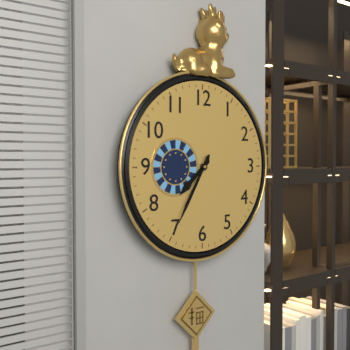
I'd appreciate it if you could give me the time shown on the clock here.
7:35
